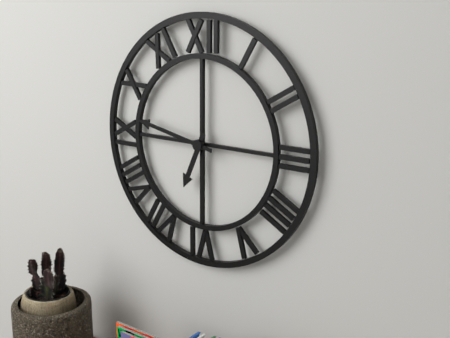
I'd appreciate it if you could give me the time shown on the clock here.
6:47
